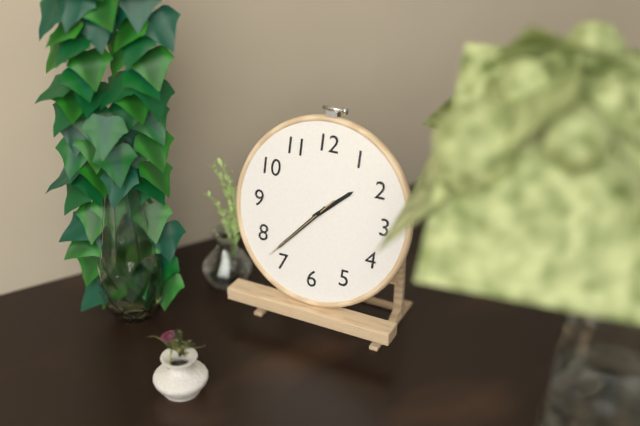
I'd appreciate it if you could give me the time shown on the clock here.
1:37:37
